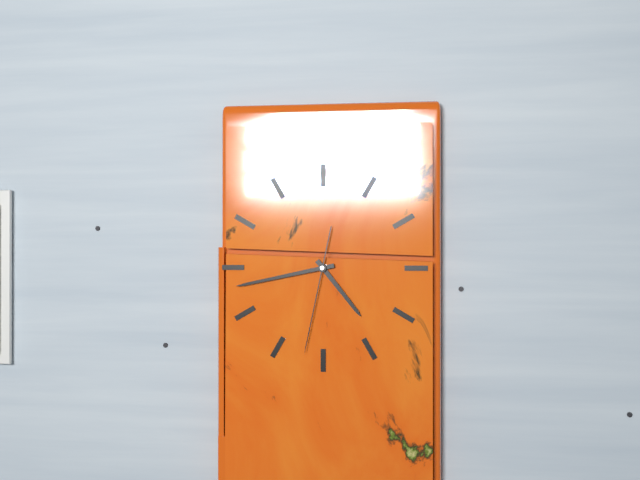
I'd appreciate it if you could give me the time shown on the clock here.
4:43:32
